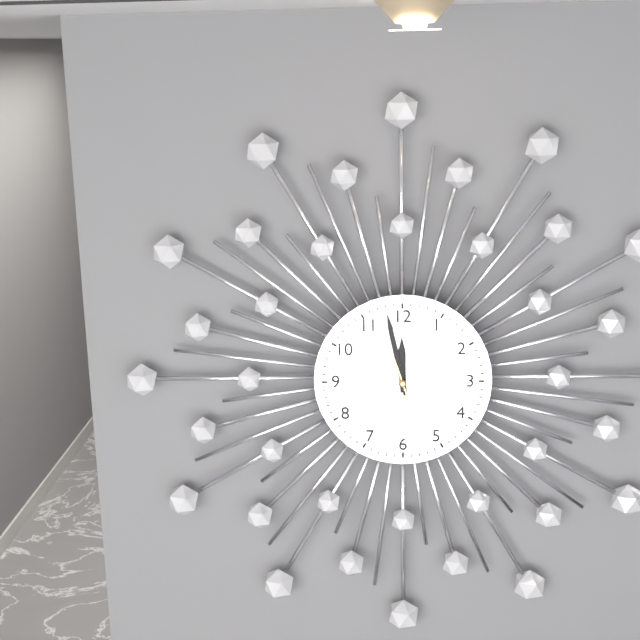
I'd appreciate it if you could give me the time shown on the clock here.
11:58:57
